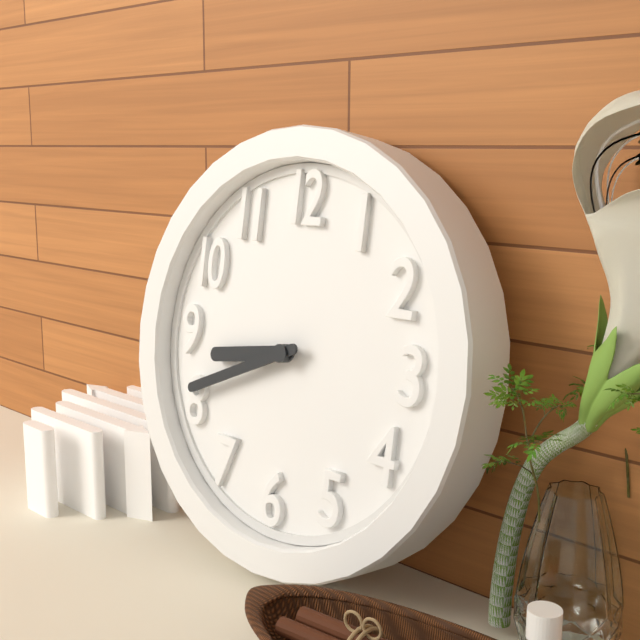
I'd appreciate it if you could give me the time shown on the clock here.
8:41
